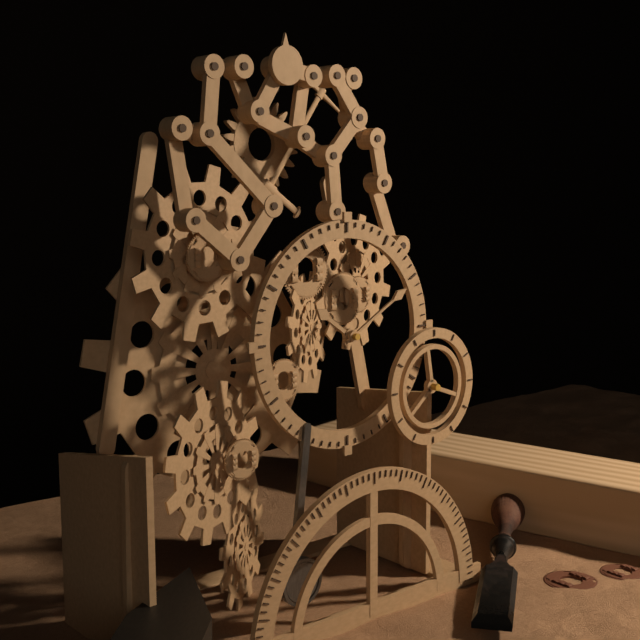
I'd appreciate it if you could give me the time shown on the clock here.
10:10
